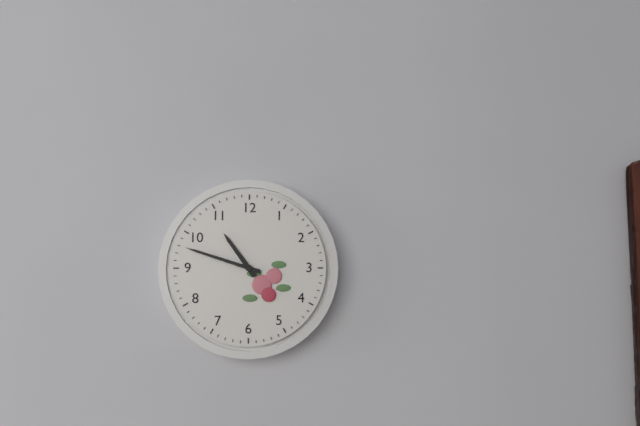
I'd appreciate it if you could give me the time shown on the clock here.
10:48
